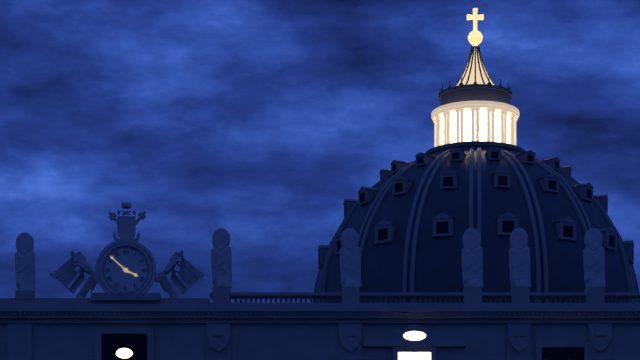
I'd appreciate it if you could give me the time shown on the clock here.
3:52
